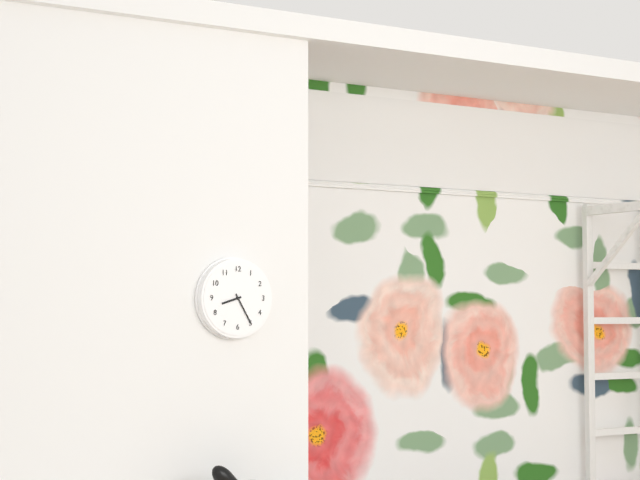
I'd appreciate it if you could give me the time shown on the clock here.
8:25
